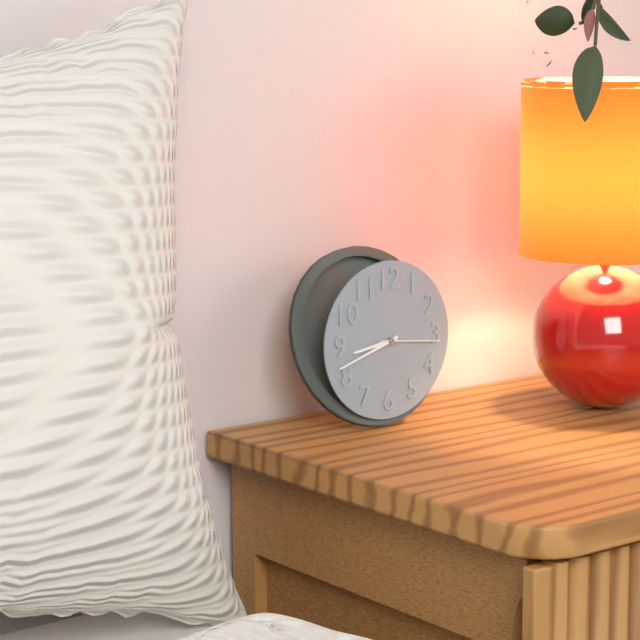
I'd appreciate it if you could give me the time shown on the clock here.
8:42:16
